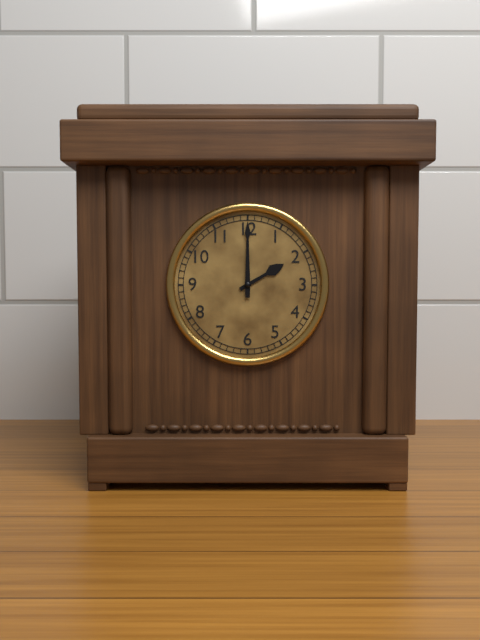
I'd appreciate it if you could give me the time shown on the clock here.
2:00
